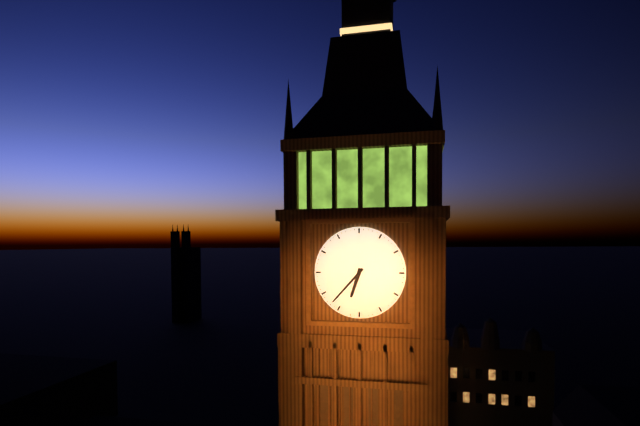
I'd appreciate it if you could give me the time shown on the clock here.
6:37
